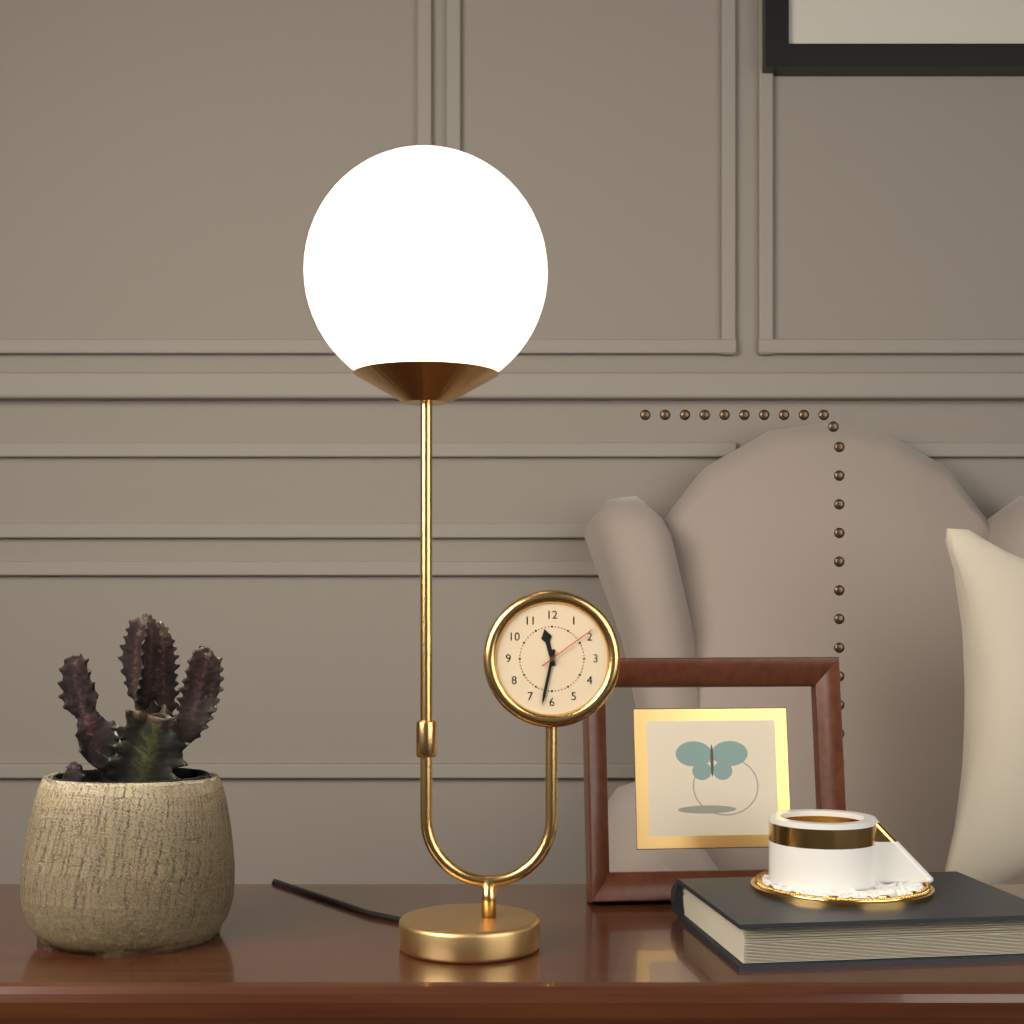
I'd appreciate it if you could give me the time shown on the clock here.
11:32:09
